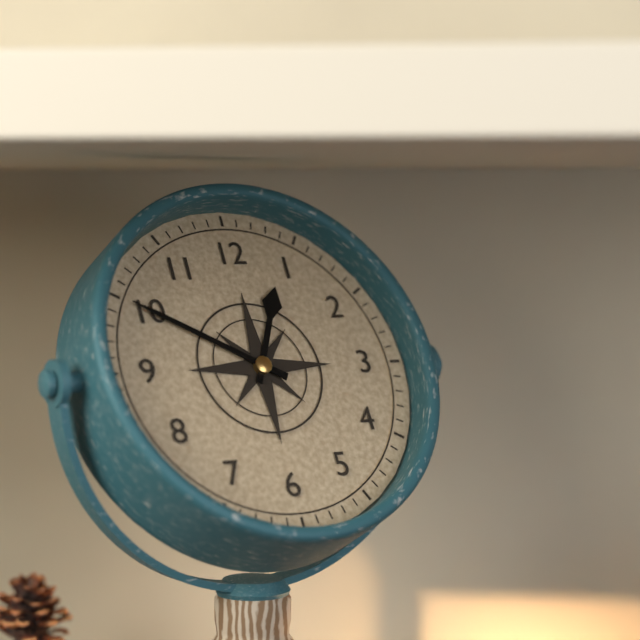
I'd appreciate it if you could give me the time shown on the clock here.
12:50
